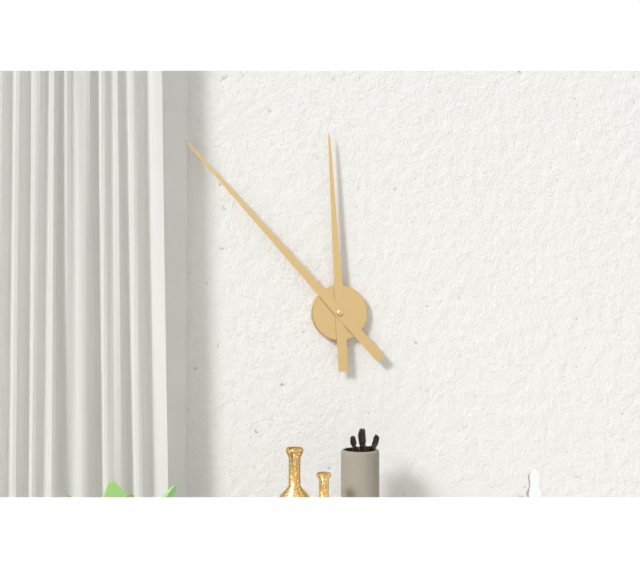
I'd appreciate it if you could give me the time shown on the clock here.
11:53
